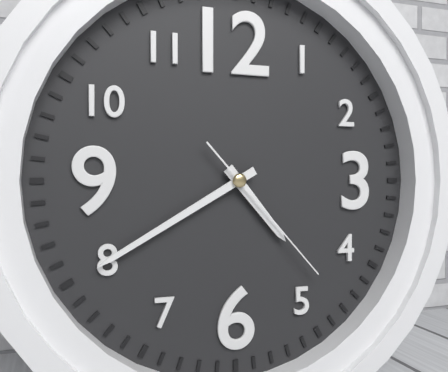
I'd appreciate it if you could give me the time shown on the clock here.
4:40:23
